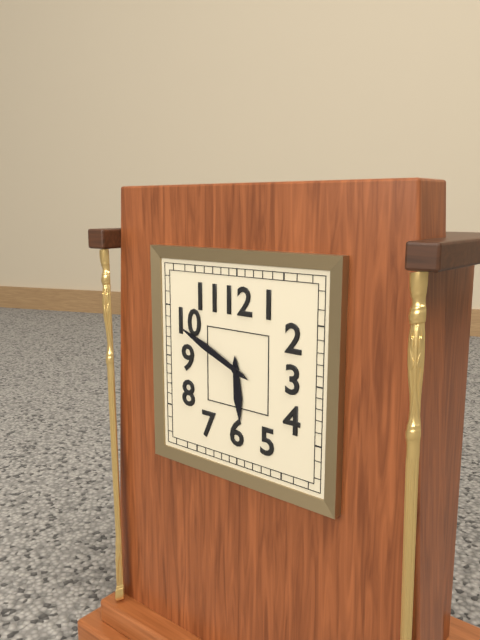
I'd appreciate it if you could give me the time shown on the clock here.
5:49
